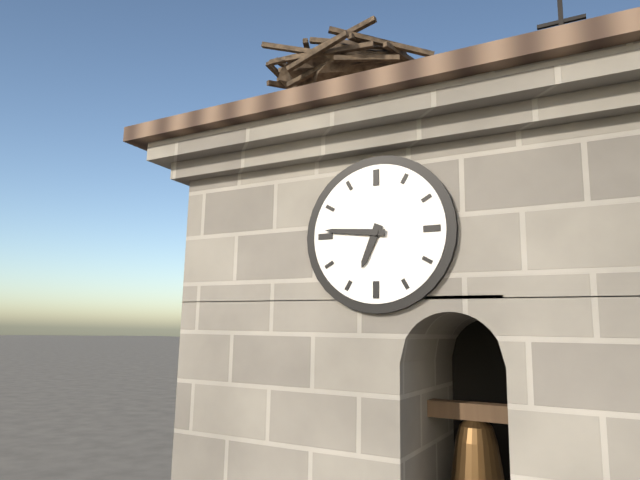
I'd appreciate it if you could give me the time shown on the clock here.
6:46
